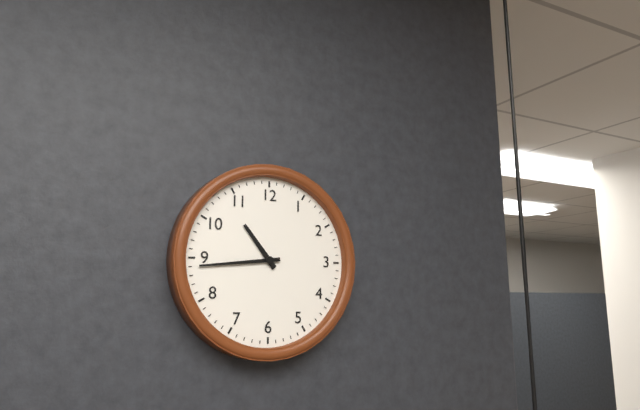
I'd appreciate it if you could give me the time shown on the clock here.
10:44
